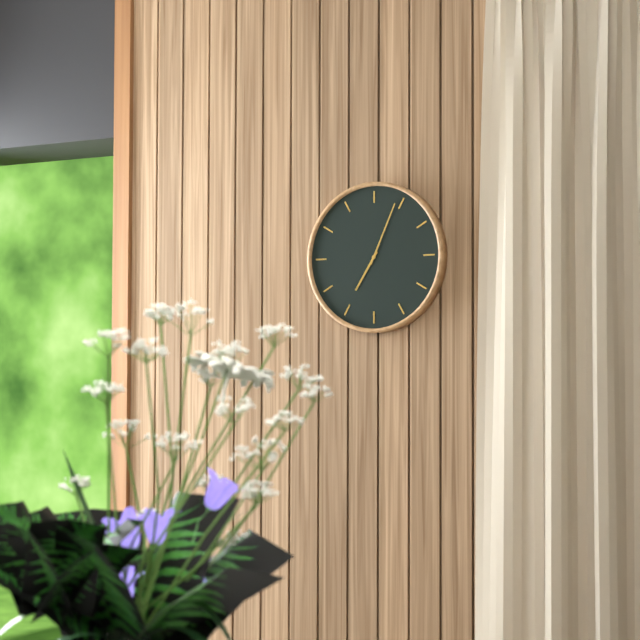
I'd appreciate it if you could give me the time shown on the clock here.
7:04
